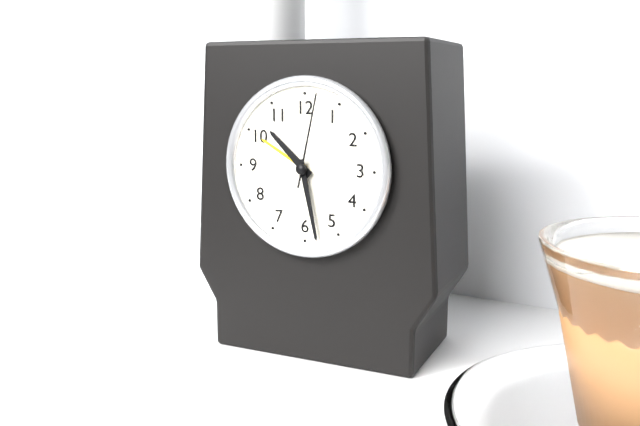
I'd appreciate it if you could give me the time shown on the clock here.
10:28:02
